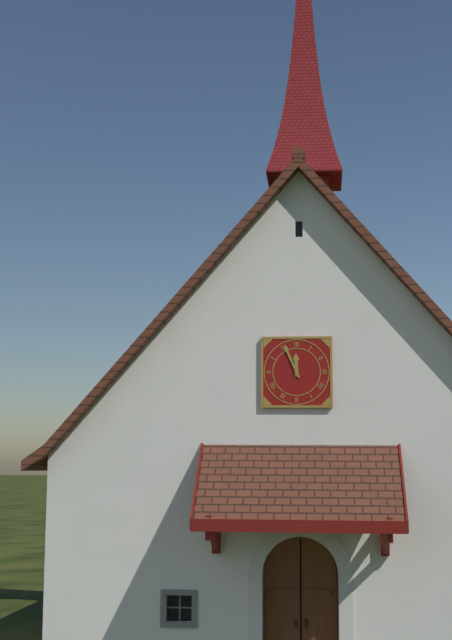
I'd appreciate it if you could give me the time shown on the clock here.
11:56
